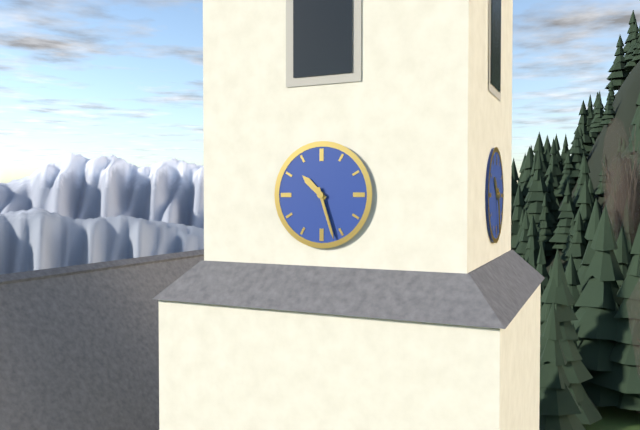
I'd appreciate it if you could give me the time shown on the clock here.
10:27
